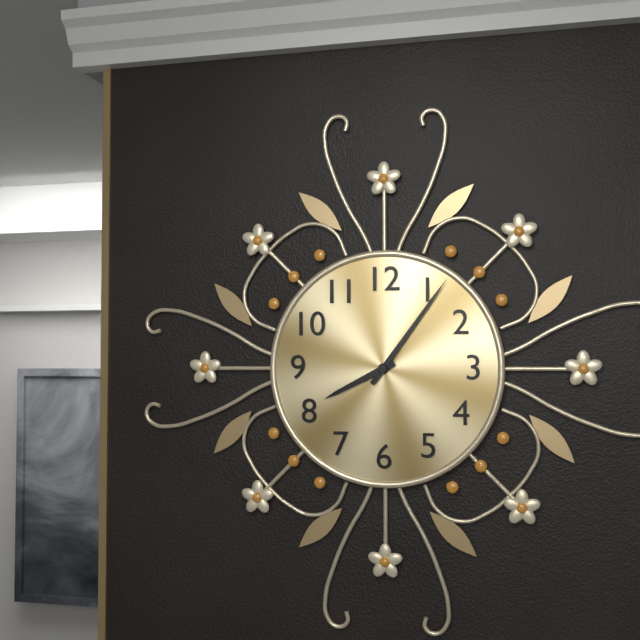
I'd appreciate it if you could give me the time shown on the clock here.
8:06
